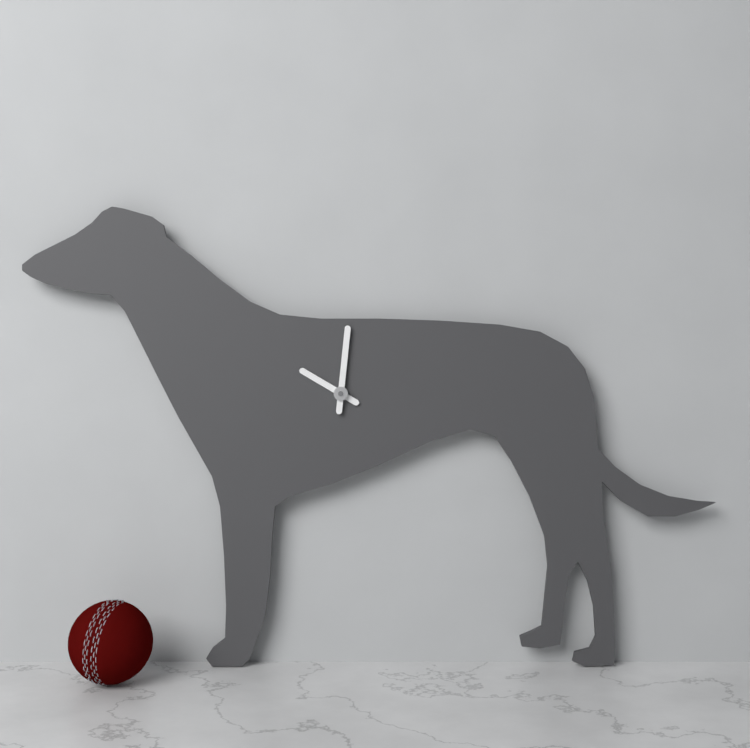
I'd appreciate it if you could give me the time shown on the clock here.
10:01
